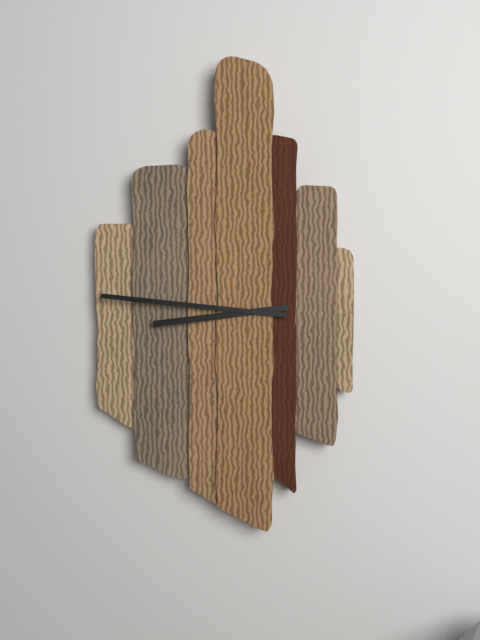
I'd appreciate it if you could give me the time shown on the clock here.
8:46
